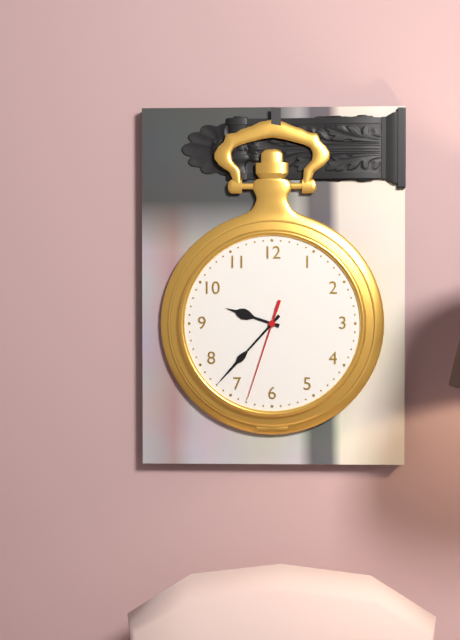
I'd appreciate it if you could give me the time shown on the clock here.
9:37:33
